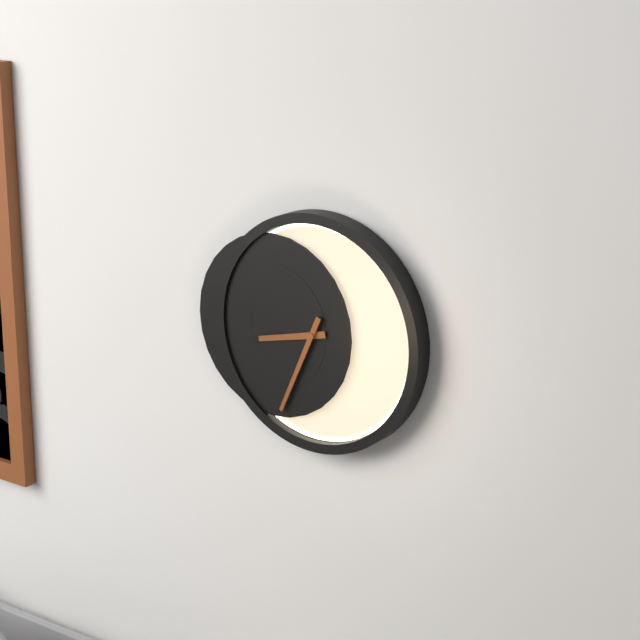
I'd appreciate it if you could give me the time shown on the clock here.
8:34
